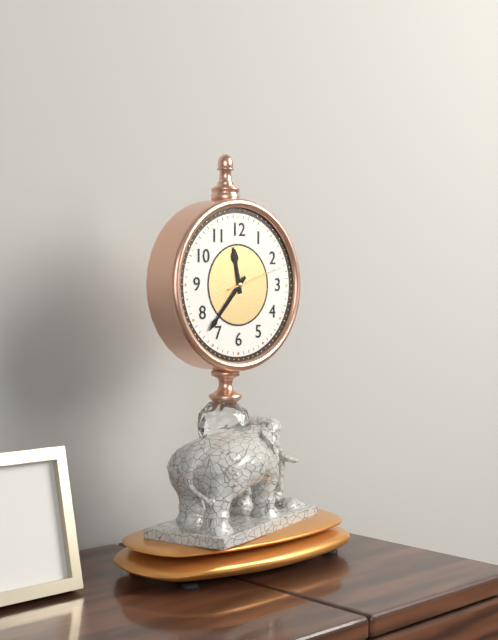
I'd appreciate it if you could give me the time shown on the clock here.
11:37:12
